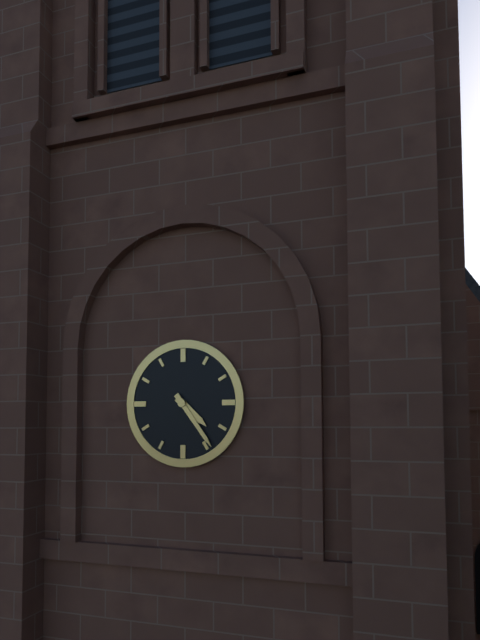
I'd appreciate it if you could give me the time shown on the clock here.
4:24
